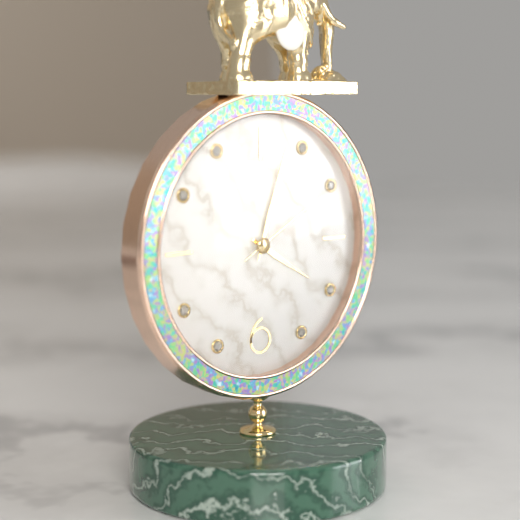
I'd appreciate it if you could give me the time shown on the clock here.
4:03:10
